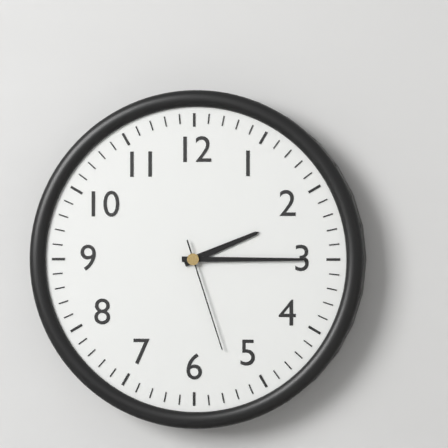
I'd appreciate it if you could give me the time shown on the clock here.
2:15:27
